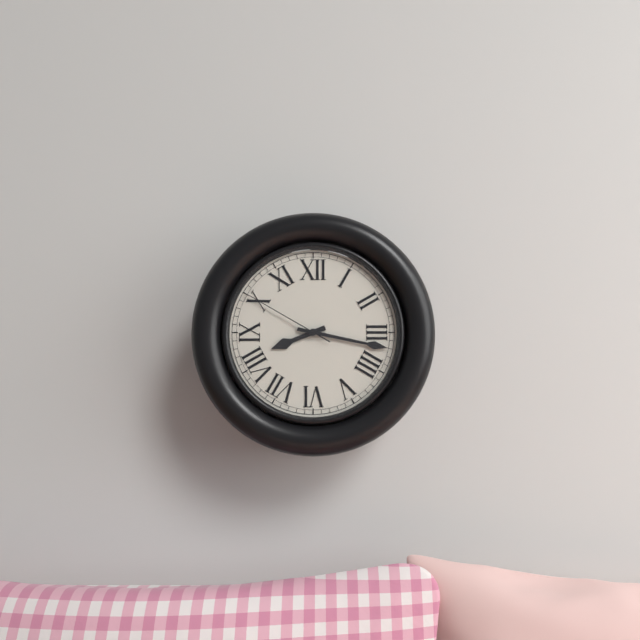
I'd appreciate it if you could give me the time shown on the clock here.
8:17:50
